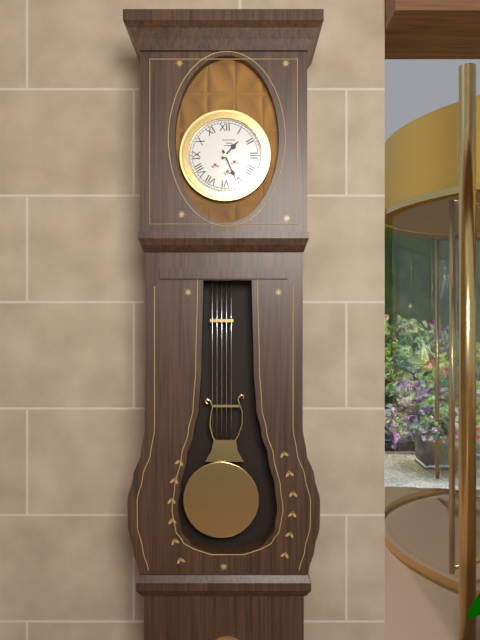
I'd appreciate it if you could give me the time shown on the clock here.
1:26
